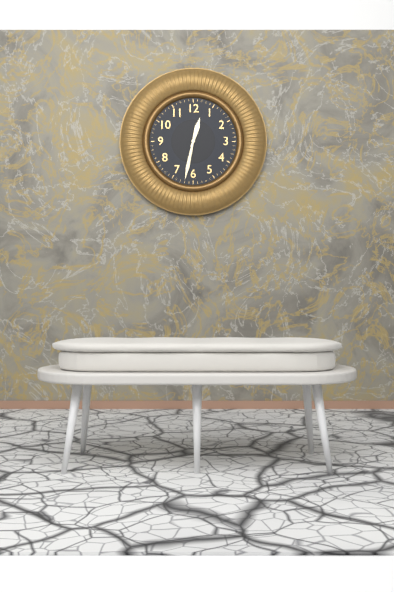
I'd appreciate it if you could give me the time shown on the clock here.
12:32
